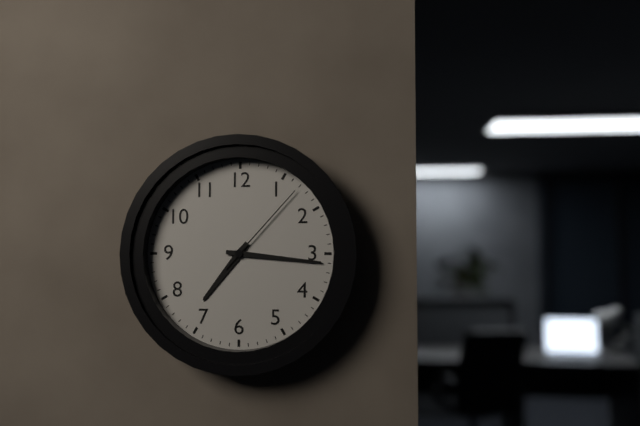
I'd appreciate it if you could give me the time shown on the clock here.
7:16:07
